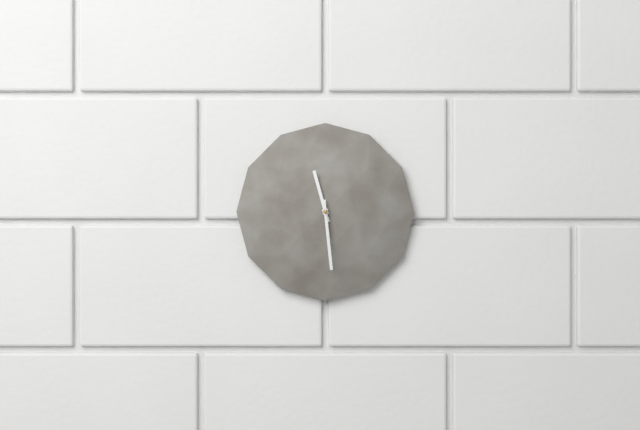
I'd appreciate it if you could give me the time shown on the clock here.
11:29
